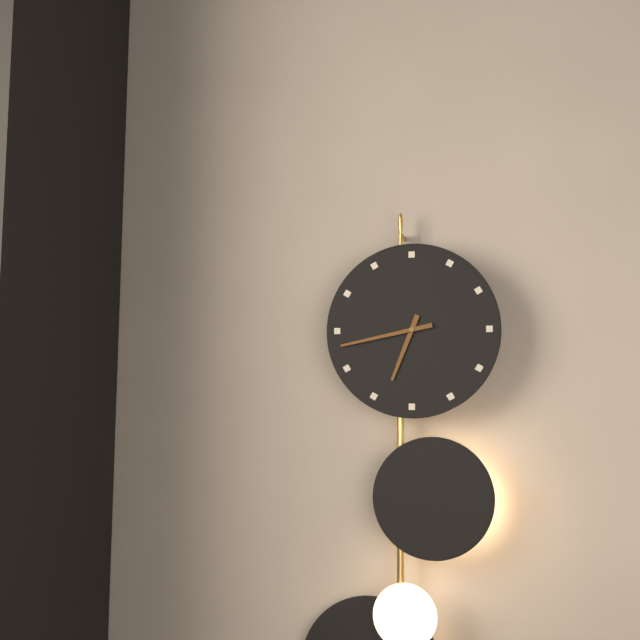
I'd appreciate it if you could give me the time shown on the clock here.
6:43
